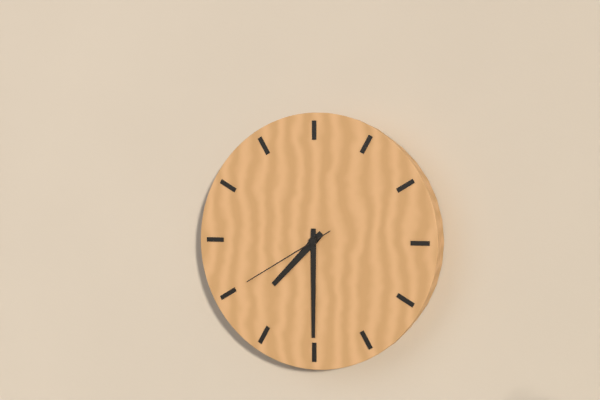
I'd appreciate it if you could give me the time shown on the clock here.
7:30:40
